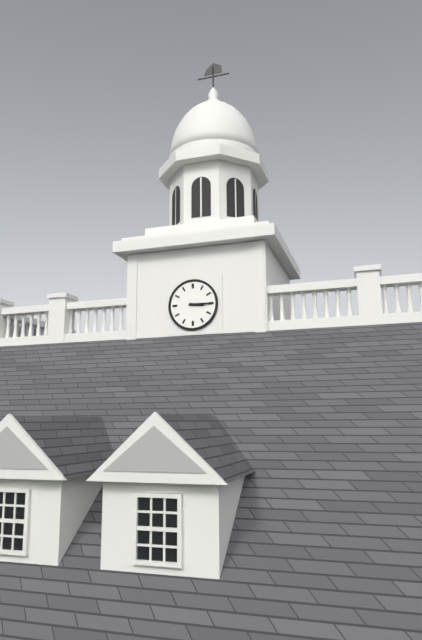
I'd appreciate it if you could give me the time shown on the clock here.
3:15
